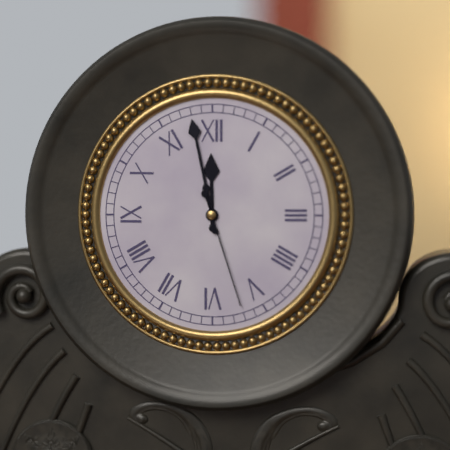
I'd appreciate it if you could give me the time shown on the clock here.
11:58:27
